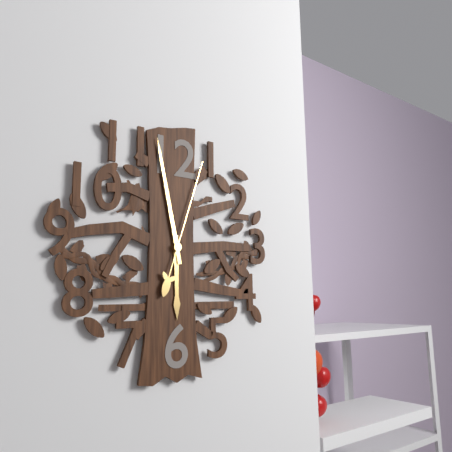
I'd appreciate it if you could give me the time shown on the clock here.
5:58:03
